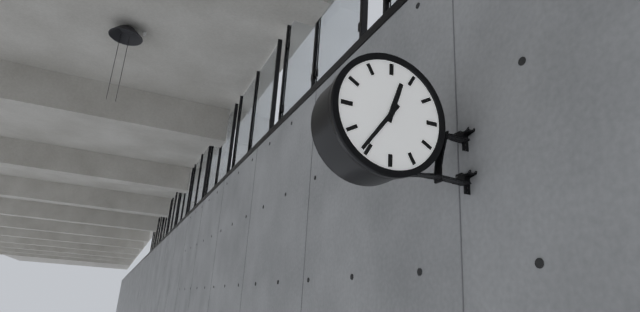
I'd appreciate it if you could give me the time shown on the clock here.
12:36
